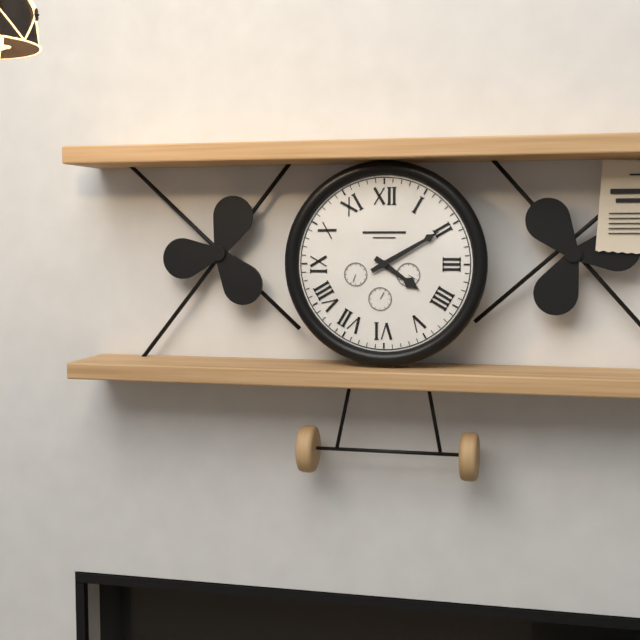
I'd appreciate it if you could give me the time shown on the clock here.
4:10
